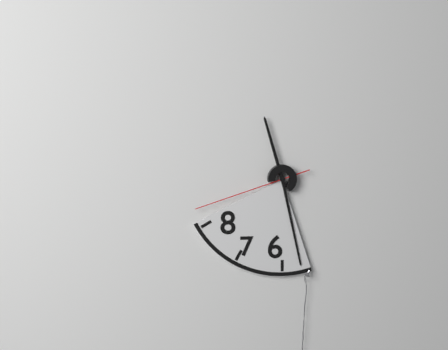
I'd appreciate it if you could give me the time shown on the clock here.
11:28:42
